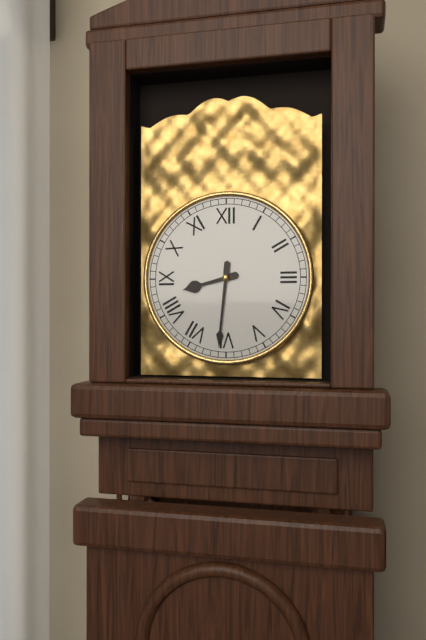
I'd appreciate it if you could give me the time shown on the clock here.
8:31
